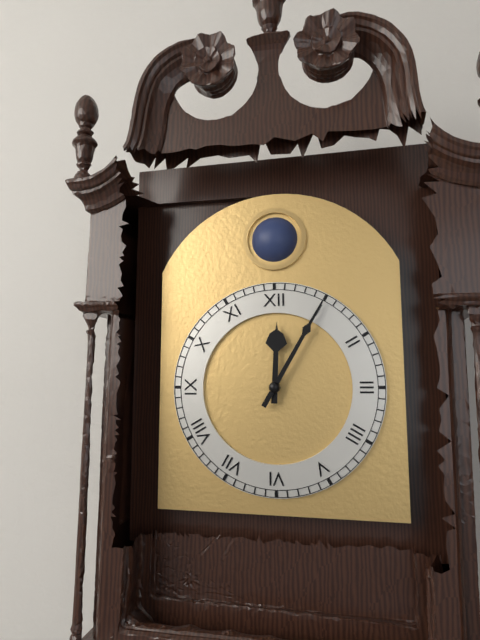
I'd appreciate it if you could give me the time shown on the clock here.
12:05
